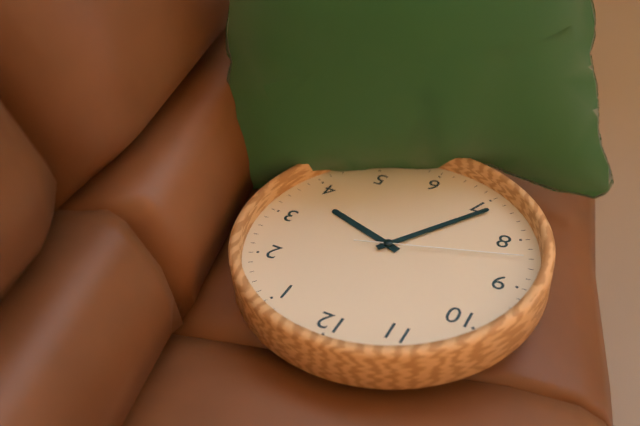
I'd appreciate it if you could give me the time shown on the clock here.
3:36:42
